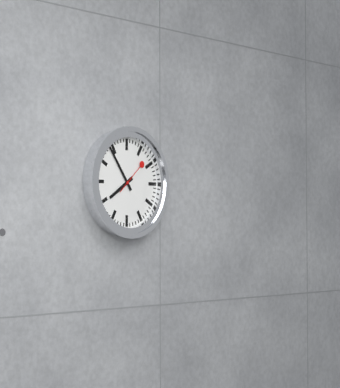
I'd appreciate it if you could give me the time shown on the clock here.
7:54
